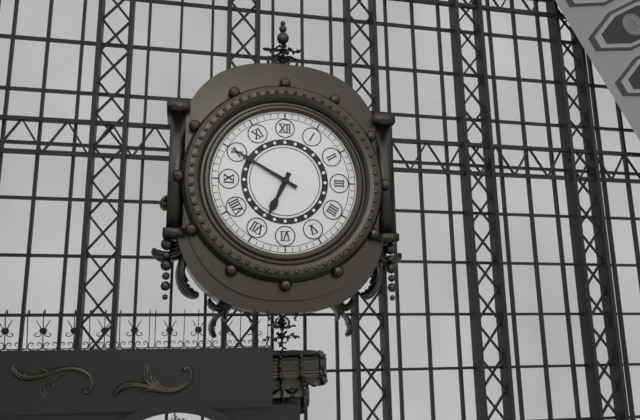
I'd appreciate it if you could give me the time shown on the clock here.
6:50
